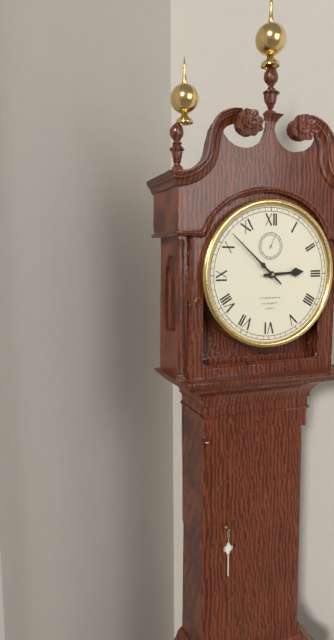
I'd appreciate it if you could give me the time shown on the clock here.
2:52
